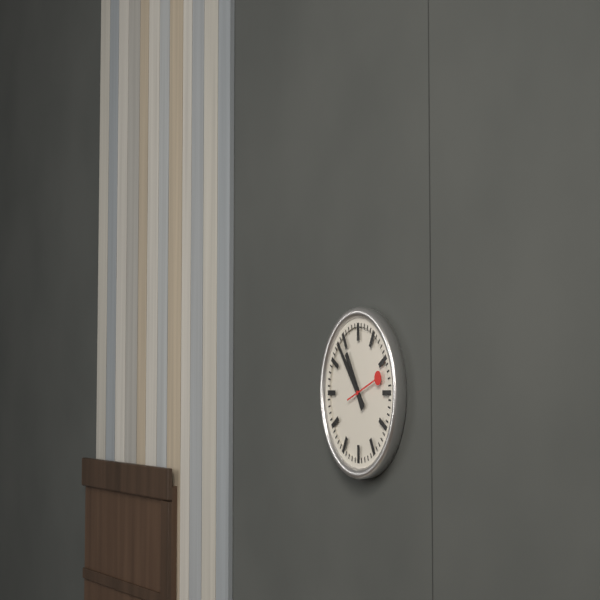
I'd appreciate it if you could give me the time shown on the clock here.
10:53
